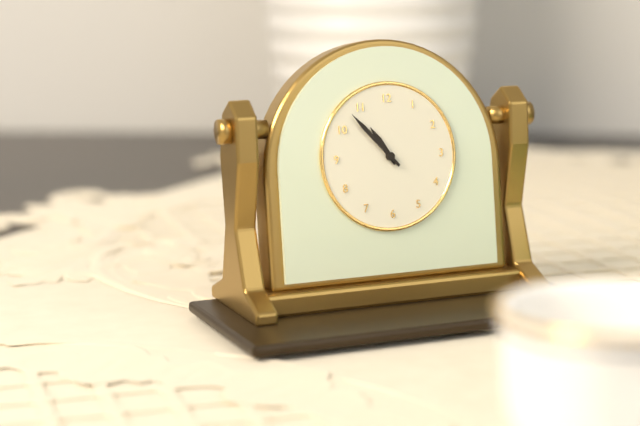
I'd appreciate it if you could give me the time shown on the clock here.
10:53
